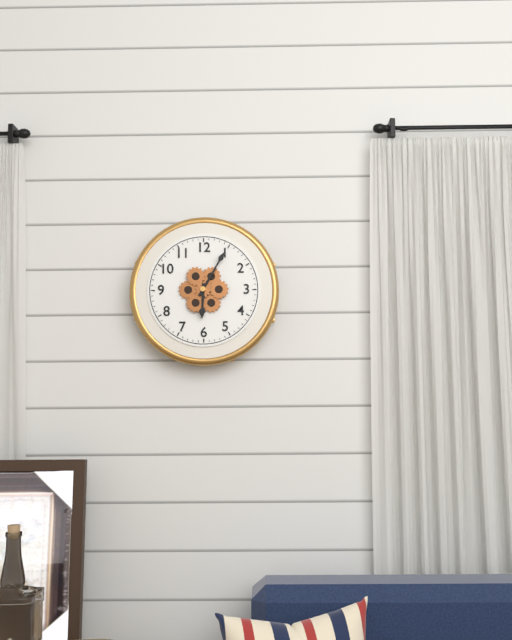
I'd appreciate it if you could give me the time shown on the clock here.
6:05
